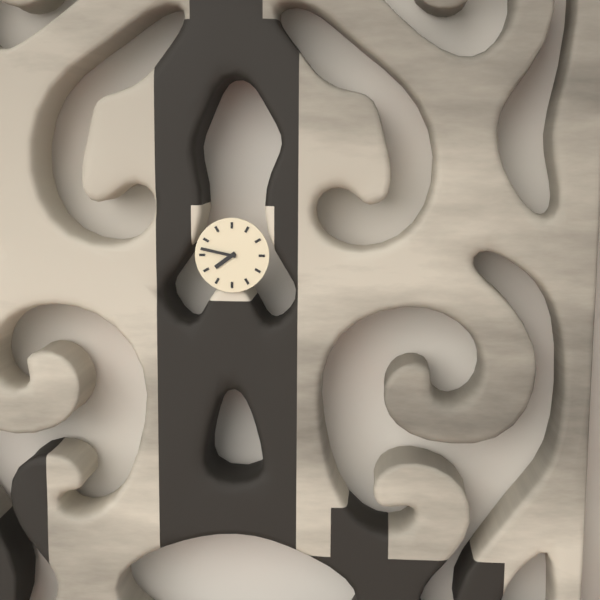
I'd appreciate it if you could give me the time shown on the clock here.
7:47
